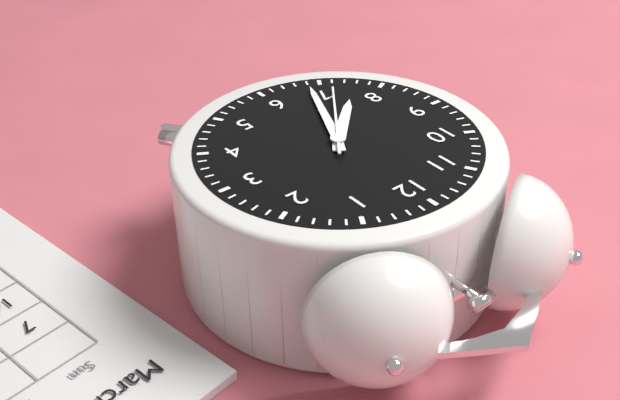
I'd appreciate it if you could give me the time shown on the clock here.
7:34:36
